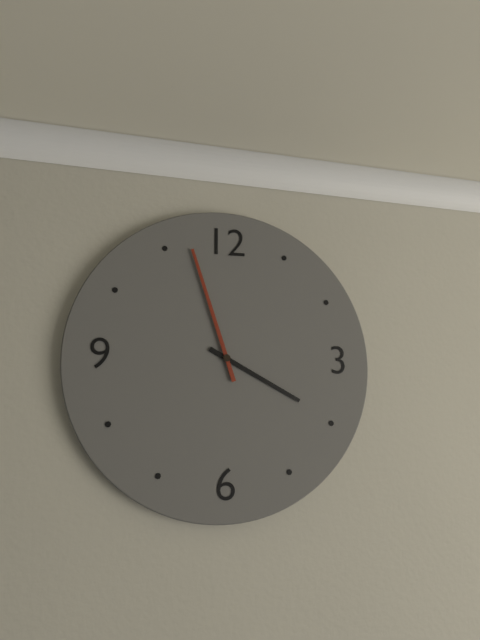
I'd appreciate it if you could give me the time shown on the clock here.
3:57
